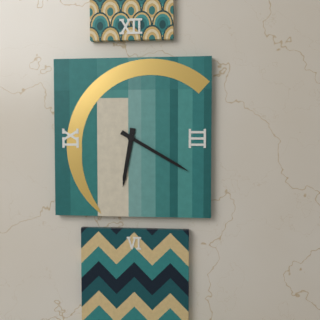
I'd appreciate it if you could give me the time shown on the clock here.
6:20
